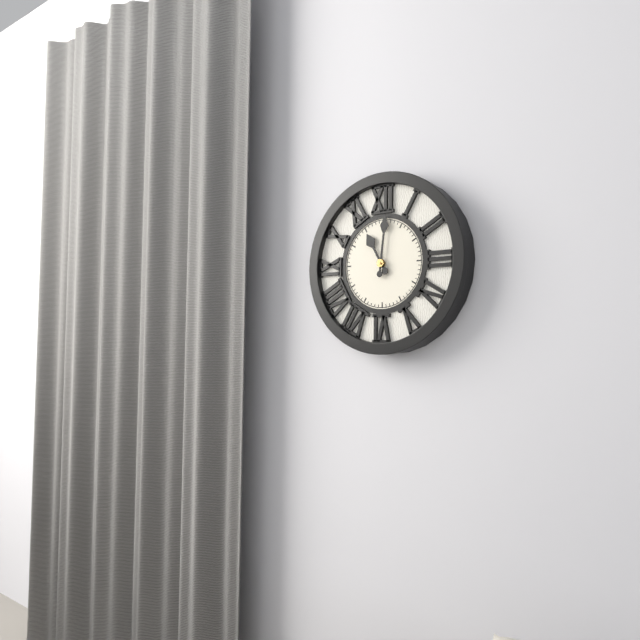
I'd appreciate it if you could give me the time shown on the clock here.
11:01
